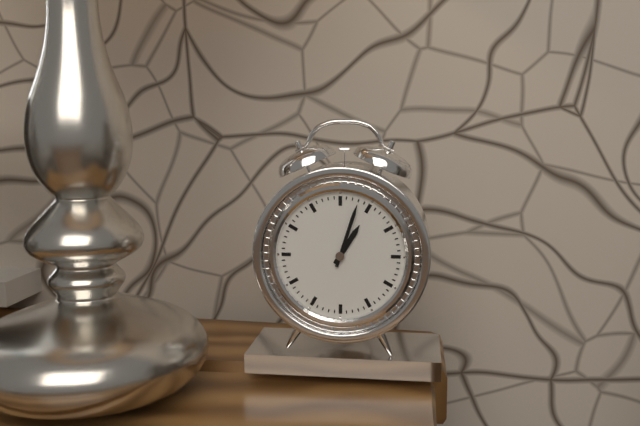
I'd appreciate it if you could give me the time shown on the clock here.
1:03
